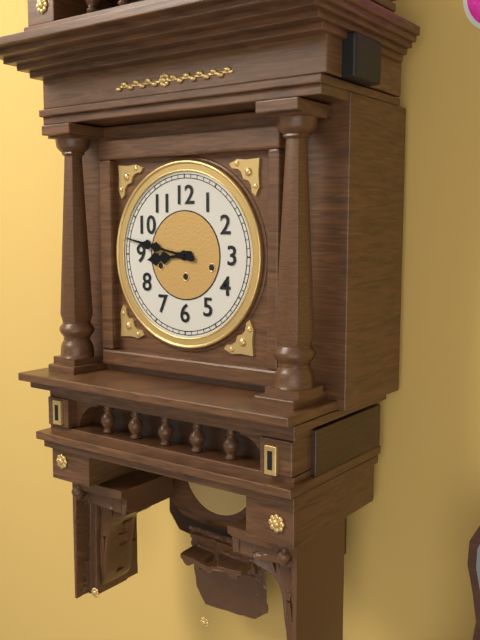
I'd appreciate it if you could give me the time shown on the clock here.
8:47
